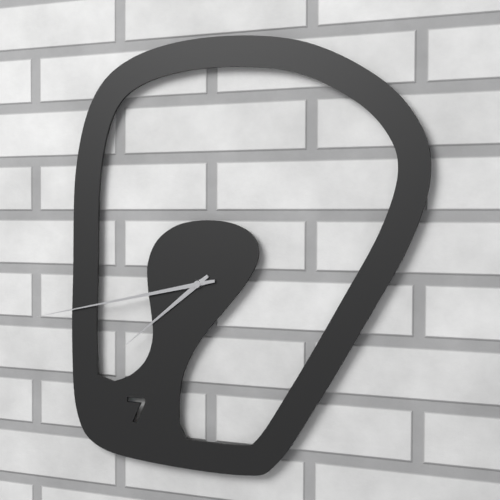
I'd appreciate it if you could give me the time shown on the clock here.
7:43
